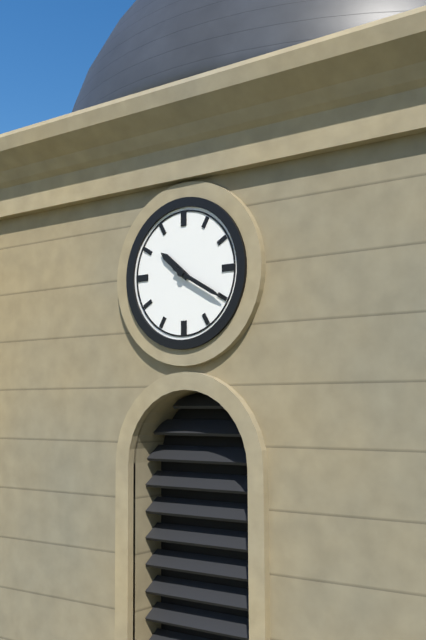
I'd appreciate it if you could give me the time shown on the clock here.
10:20
